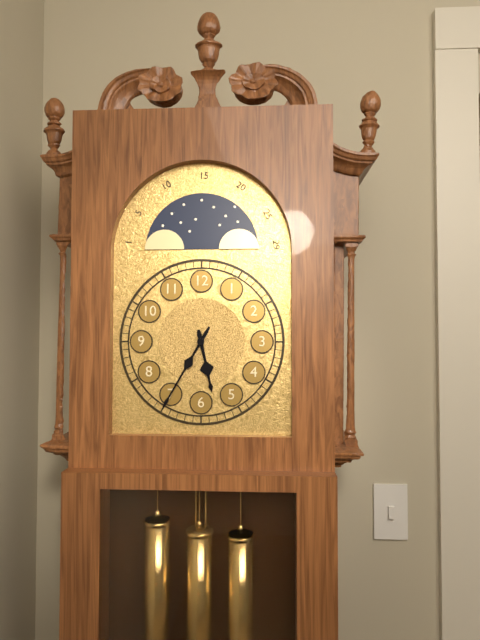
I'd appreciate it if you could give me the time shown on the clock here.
5:35
